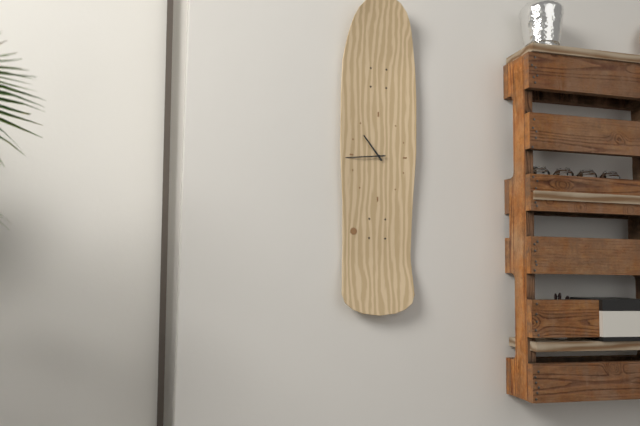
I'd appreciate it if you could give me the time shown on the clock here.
10:44
